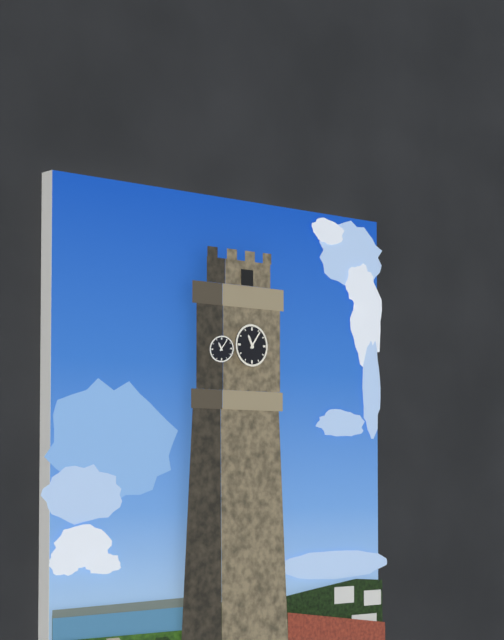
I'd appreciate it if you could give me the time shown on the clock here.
11:06
